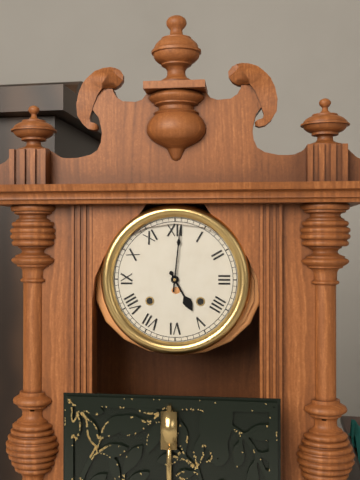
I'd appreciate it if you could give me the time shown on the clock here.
5:01
